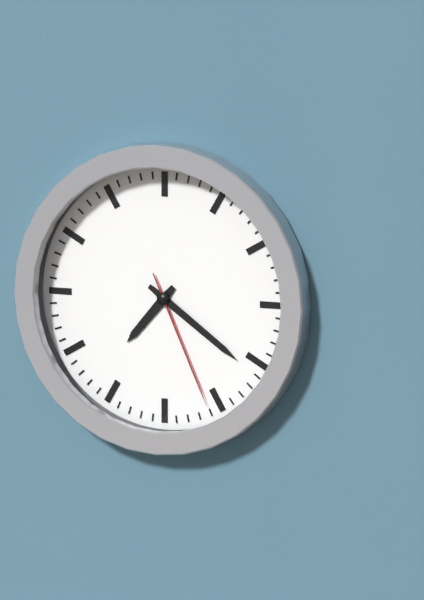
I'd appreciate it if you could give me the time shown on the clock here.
7:21:26
